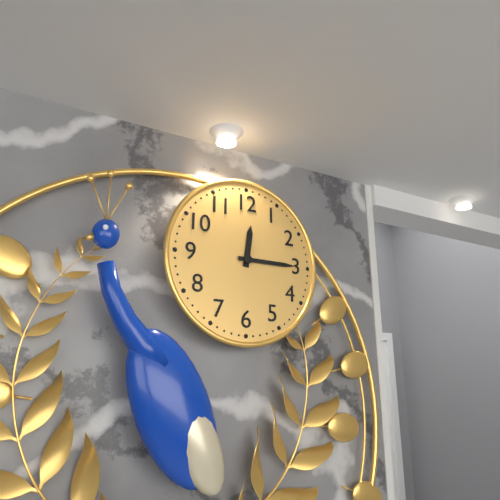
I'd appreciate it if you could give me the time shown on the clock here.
12:15
